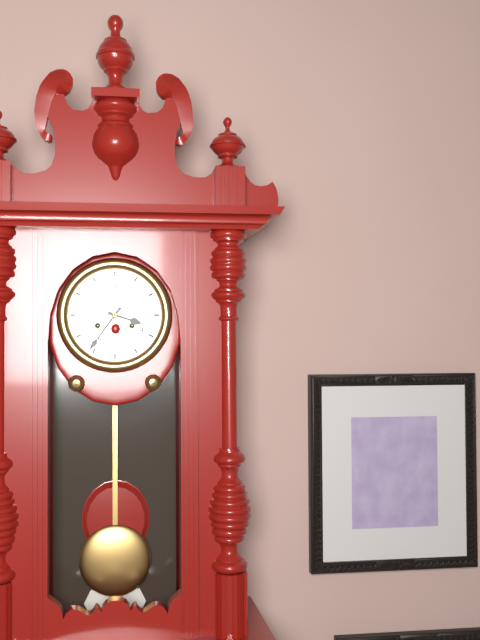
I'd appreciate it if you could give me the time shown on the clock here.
3:36
